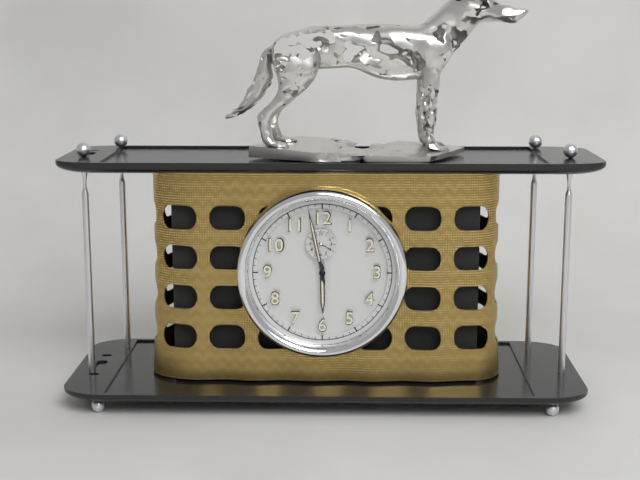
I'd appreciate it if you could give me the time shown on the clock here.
5:58
